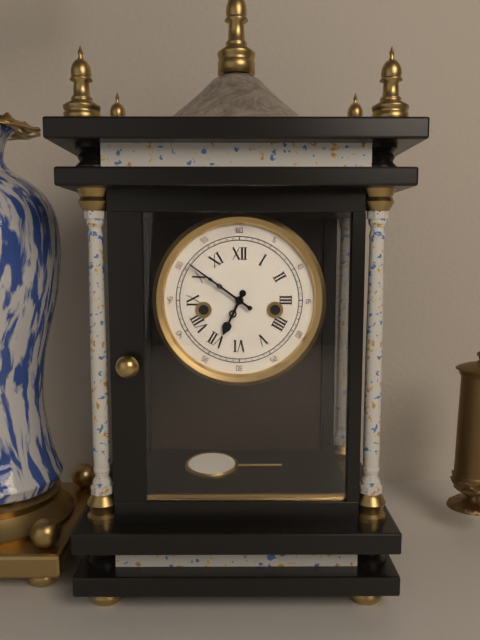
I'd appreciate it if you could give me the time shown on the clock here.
6:51
